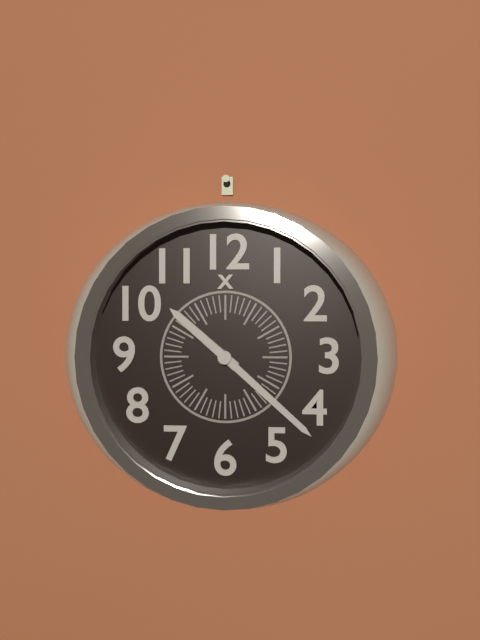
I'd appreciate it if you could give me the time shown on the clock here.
10:22
